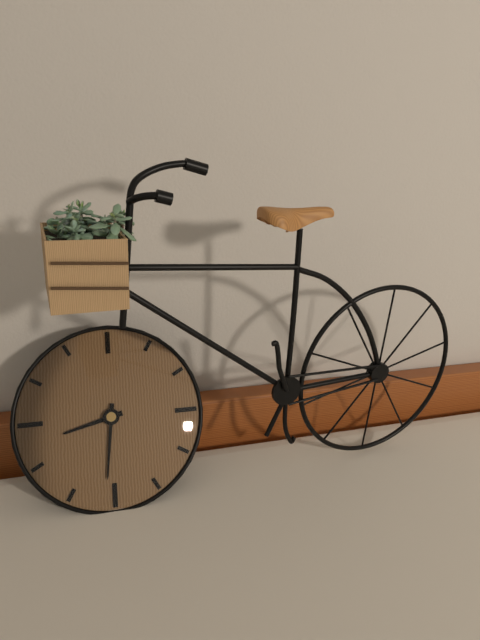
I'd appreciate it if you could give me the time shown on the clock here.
8:31
